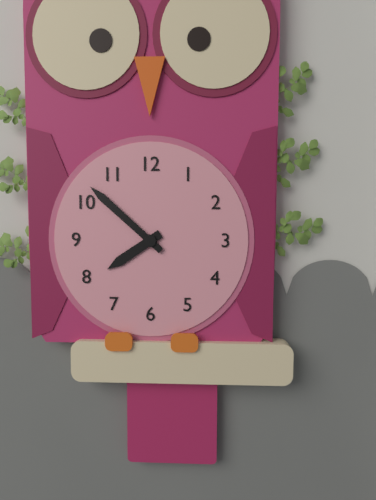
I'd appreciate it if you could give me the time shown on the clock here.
7:52
